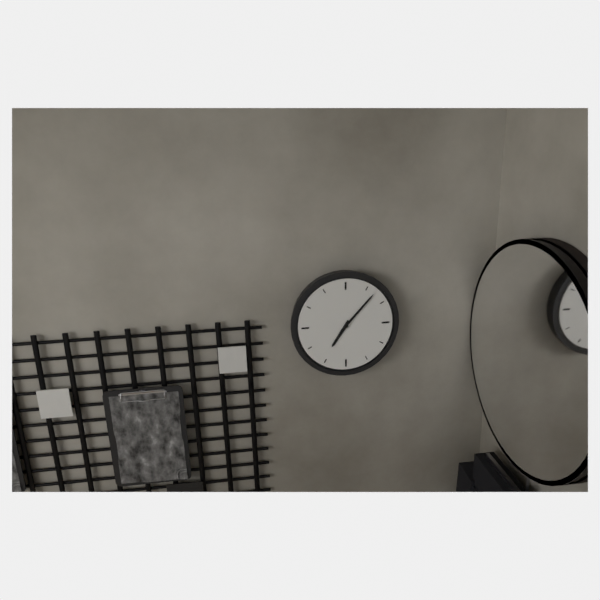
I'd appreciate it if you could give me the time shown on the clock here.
7:07
